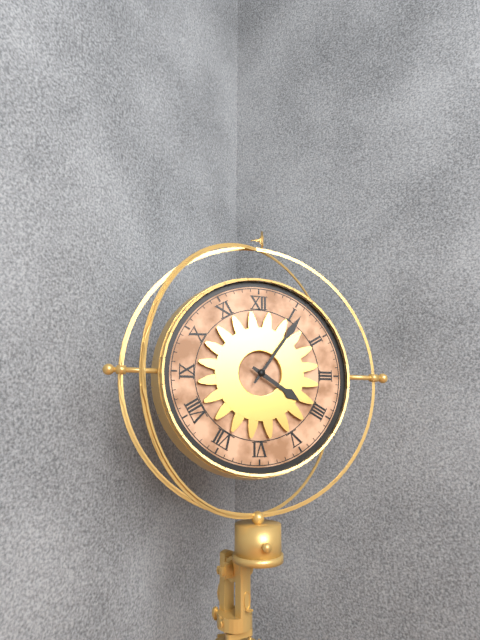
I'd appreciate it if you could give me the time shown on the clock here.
4:06
